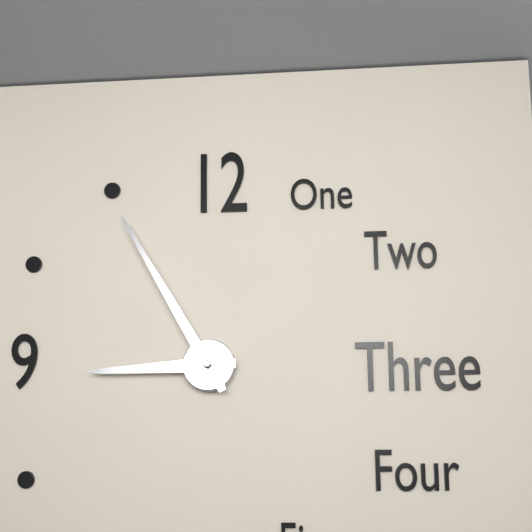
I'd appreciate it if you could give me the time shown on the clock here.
8:55
